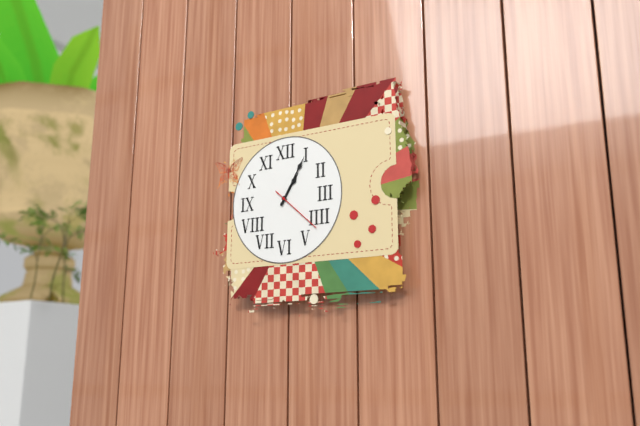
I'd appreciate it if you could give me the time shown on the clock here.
1:05:22
